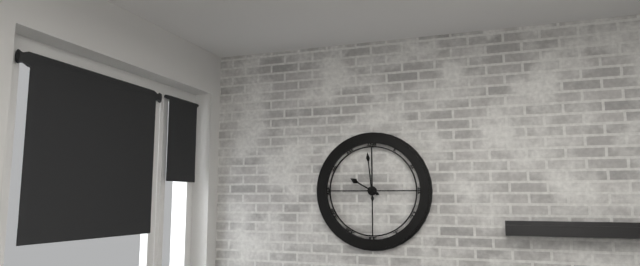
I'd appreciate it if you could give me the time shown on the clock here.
9:59
